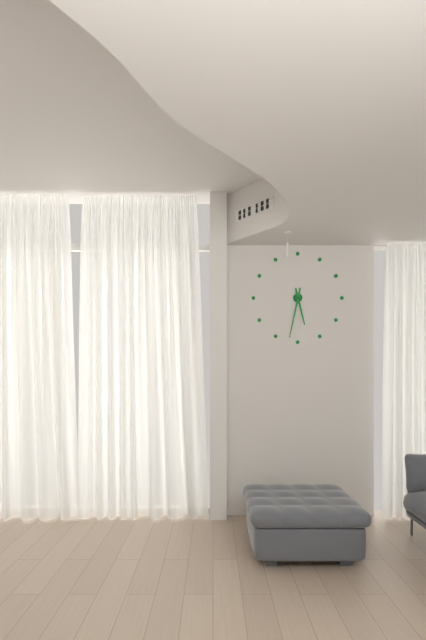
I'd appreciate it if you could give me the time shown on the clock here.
5:32
